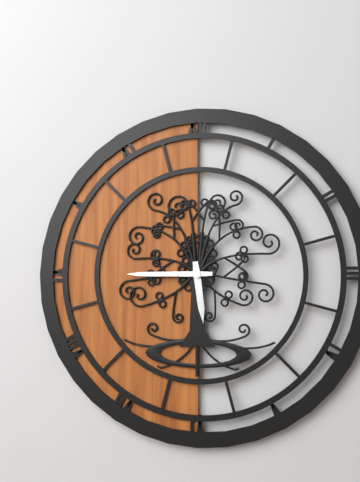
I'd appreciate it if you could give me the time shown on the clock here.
5:45
